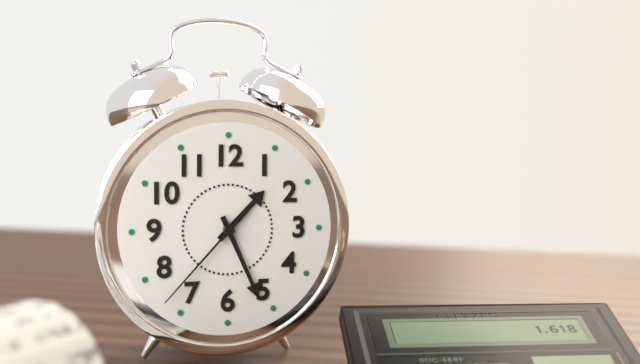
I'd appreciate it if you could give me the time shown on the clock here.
1:26:37
